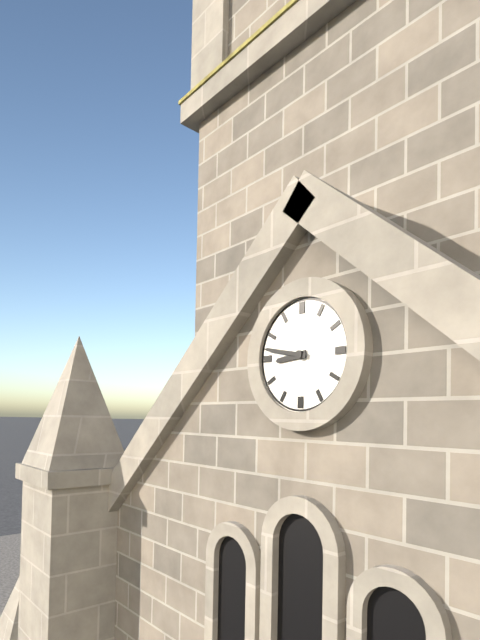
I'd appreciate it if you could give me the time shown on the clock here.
8:47
